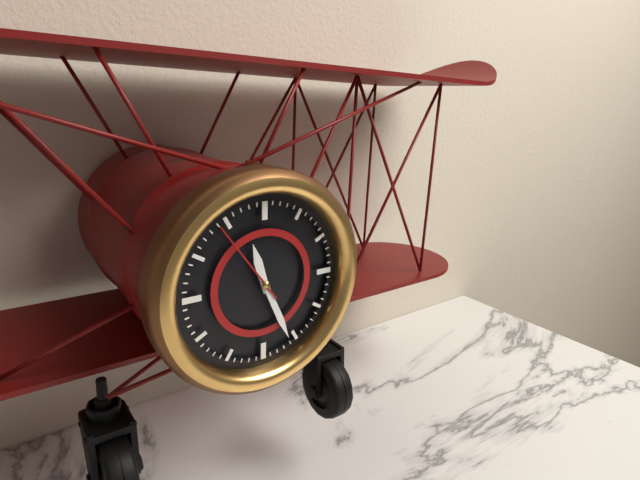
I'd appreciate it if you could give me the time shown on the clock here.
11:26:54
